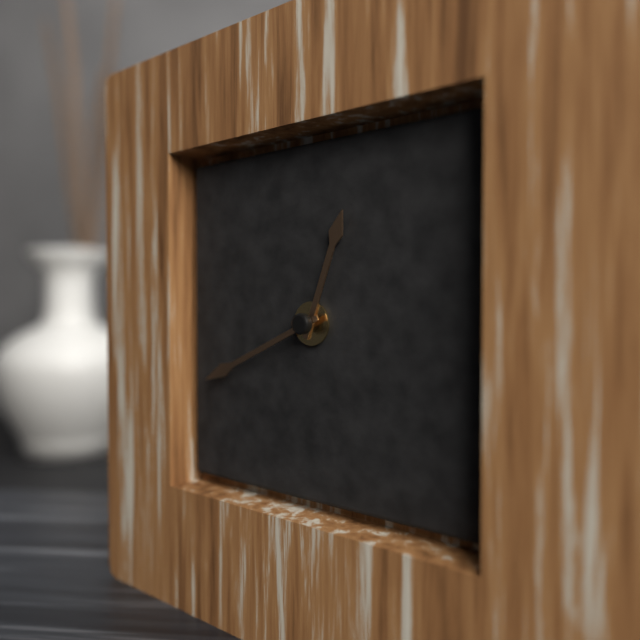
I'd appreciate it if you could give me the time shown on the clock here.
12:41
